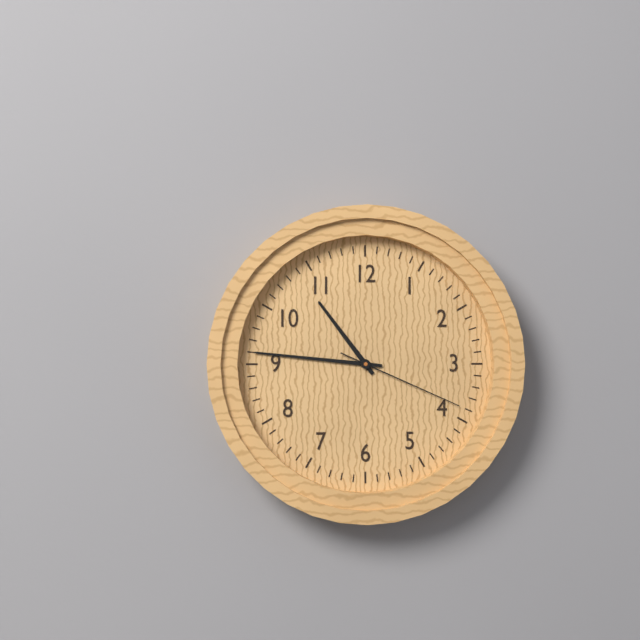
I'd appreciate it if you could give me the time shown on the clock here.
10:46:19
